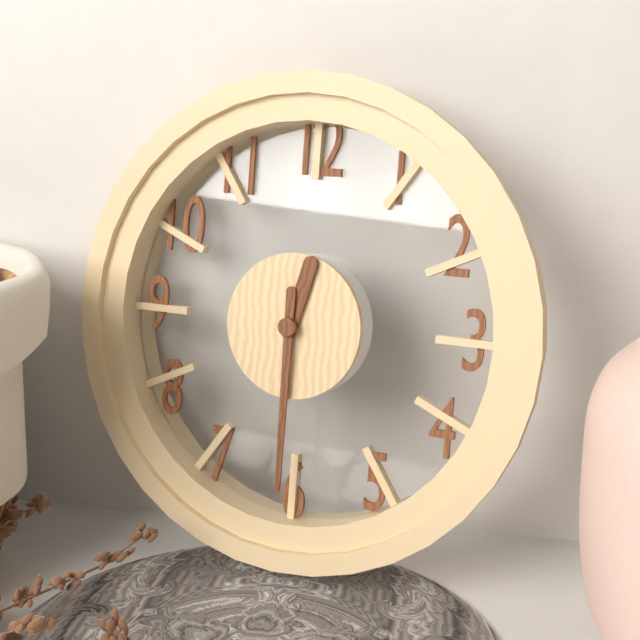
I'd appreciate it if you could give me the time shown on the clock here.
12:30
